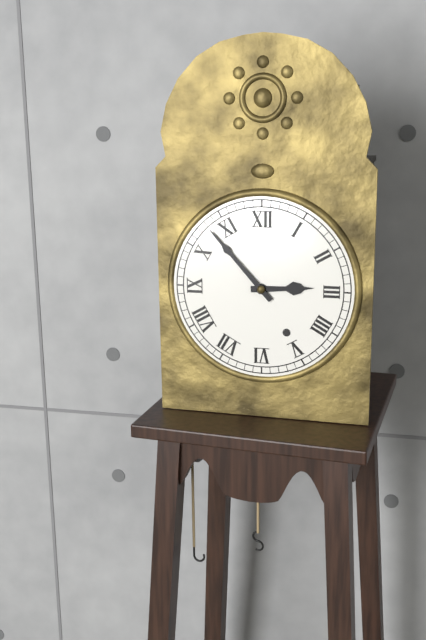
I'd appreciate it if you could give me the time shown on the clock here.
2:53
